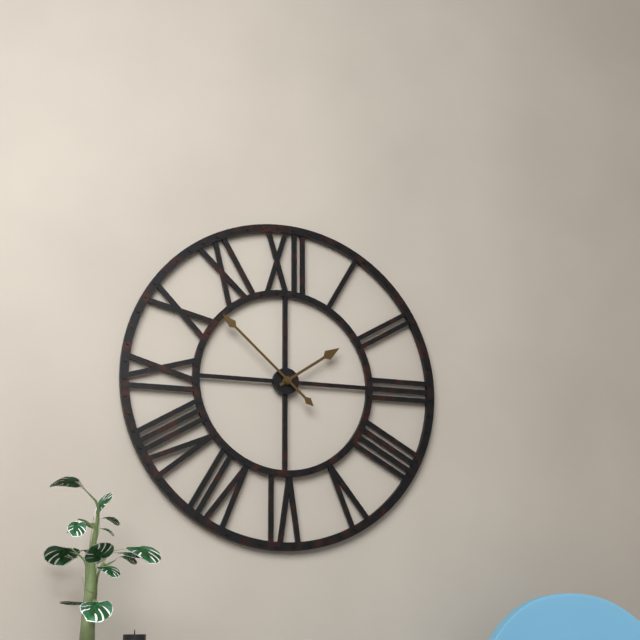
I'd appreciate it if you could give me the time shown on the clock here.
1:52
